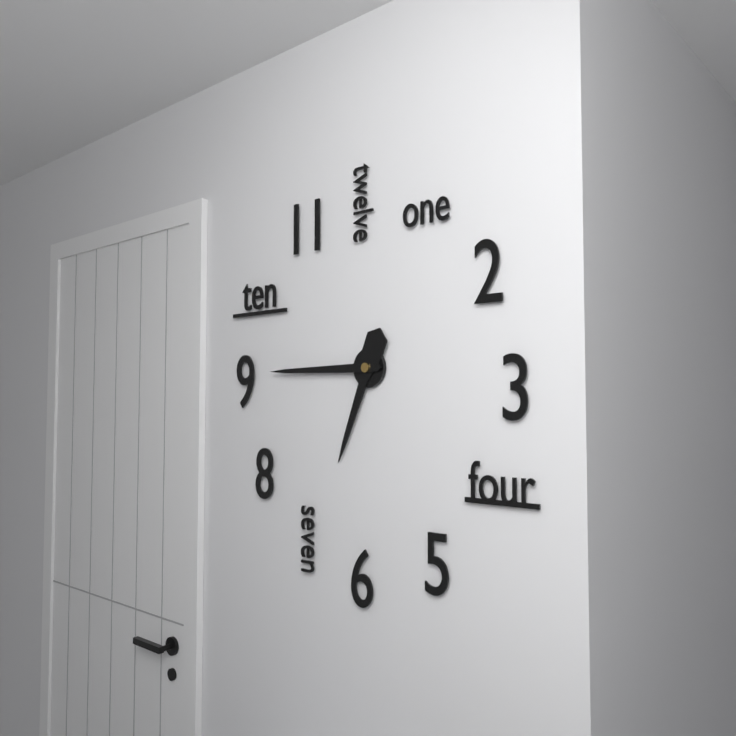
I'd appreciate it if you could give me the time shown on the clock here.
6:45
